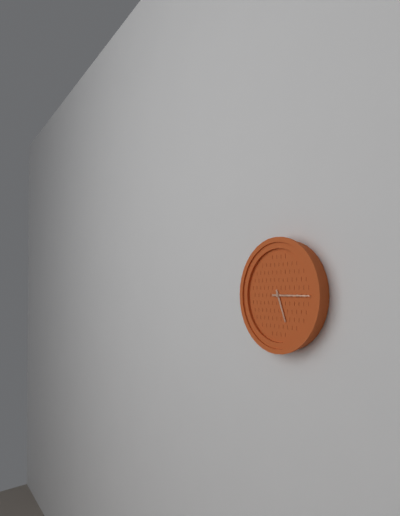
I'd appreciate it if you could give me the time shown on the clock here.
5:15
